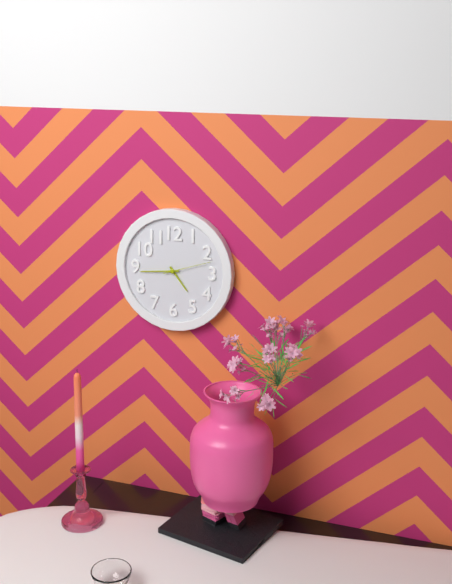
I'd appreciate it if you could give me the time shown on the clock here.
4:44:12
